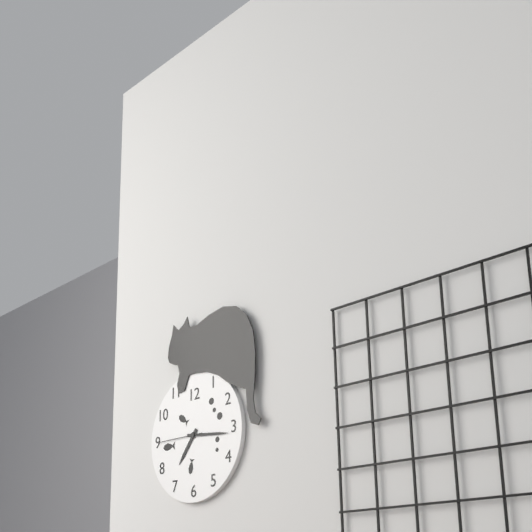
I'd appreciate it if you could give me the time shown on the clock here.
7:16
